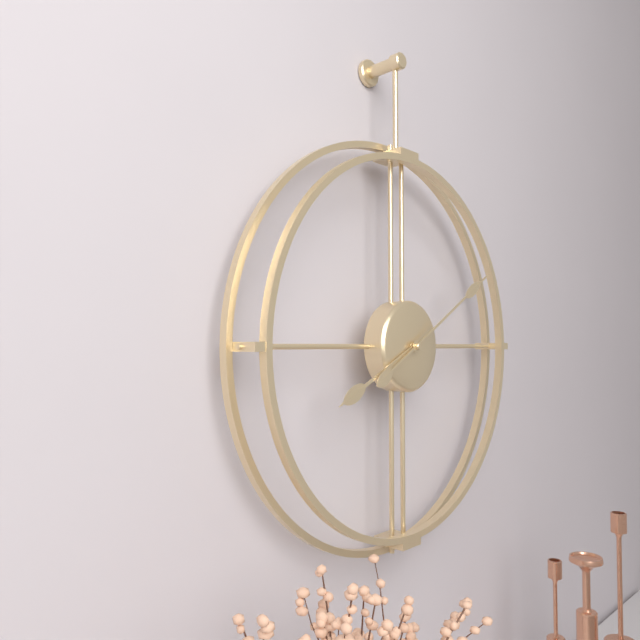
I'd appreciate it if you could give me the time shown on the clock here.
8:10
